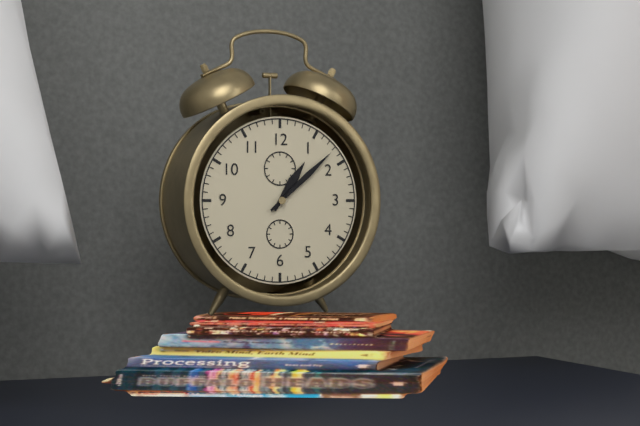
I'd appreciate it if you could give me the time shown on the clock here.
1:08
